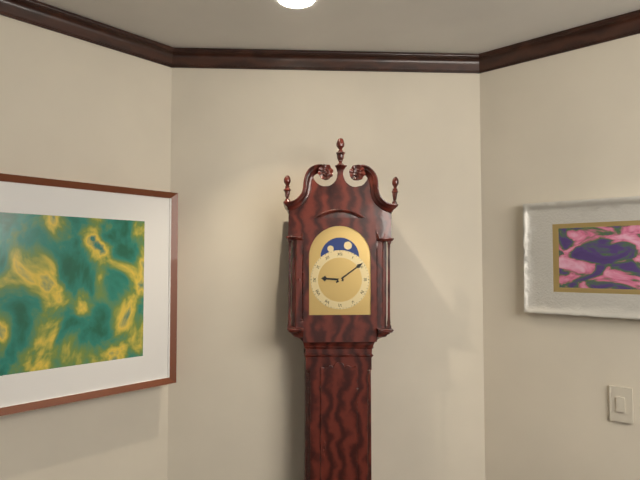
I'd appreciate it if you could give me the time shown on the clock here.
9:09
